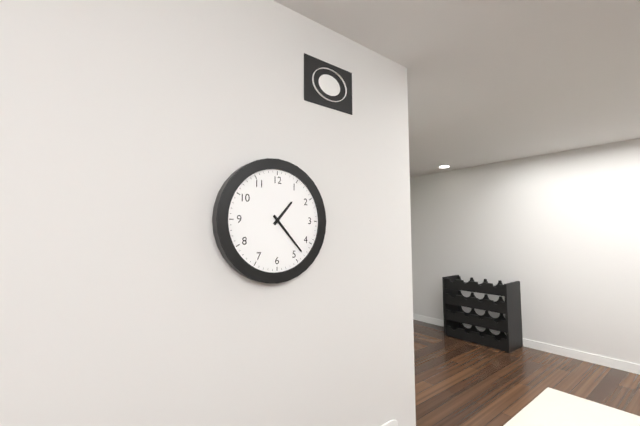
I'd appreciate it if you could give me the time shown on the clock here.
1:23
